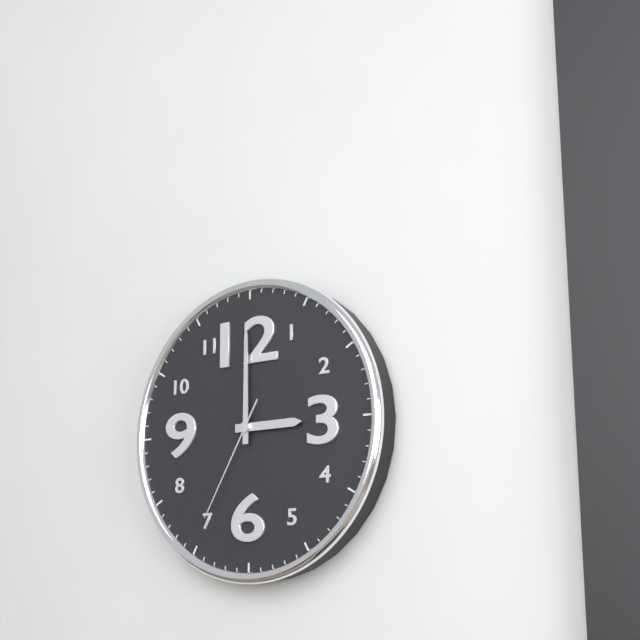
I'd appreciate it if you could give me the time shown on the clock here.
3:00:35
